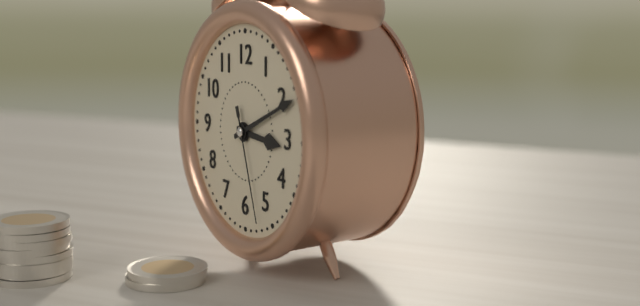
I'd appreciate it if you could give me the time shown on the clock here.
3:11:27
